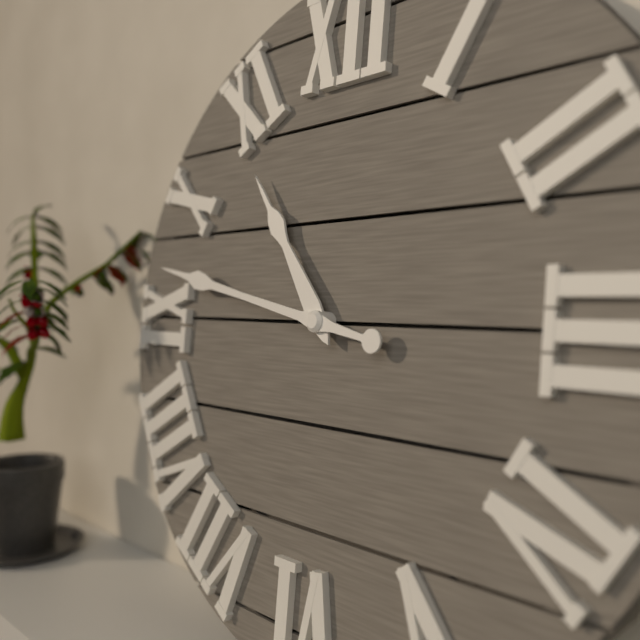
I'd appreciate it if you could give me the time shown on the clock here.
10:47
